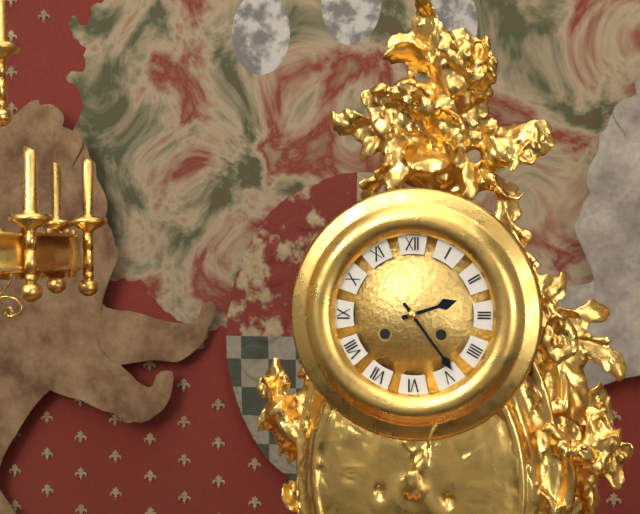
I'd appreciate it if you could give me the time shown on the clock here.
2:24
